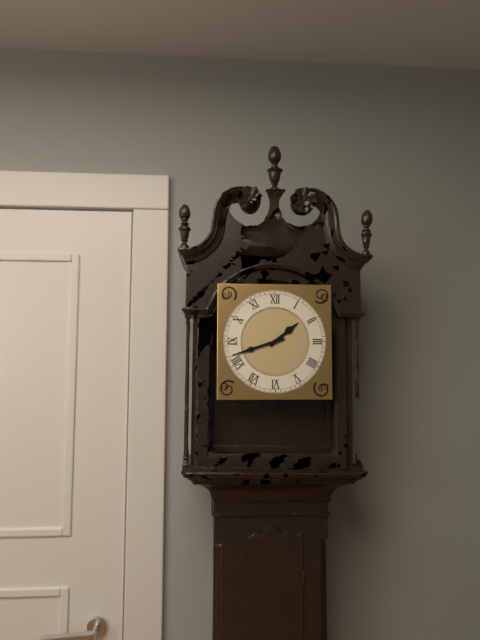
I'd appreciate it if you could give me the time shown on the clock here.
1:42
